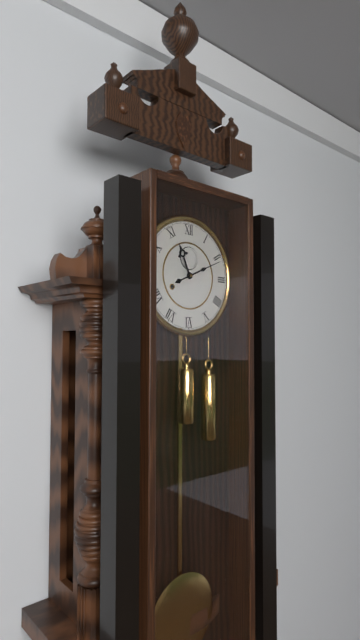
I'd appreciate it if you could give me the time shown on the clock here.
11:11
